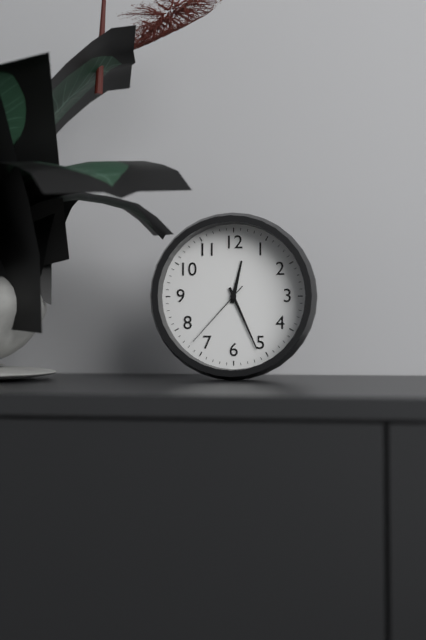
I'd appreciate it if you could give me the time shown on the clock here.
12:26:37
